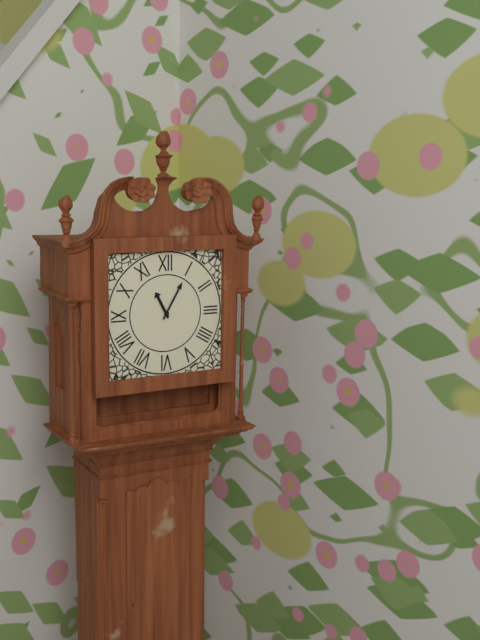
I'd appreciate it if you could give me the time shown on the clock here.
11:05
